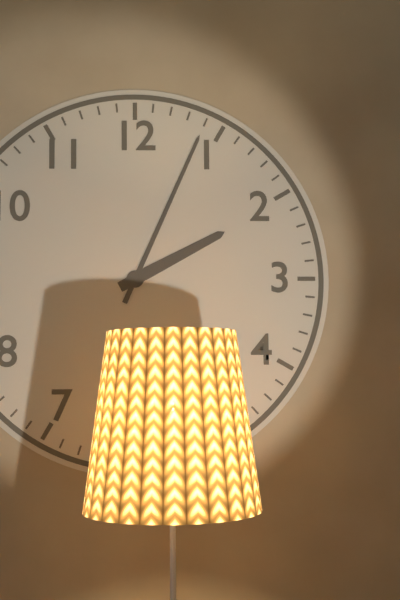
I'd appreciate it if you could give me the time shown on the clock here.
2:04
